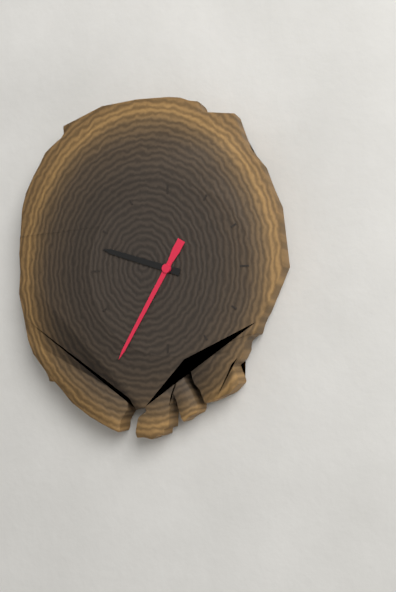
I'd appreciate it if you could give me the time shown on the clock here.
9:35
